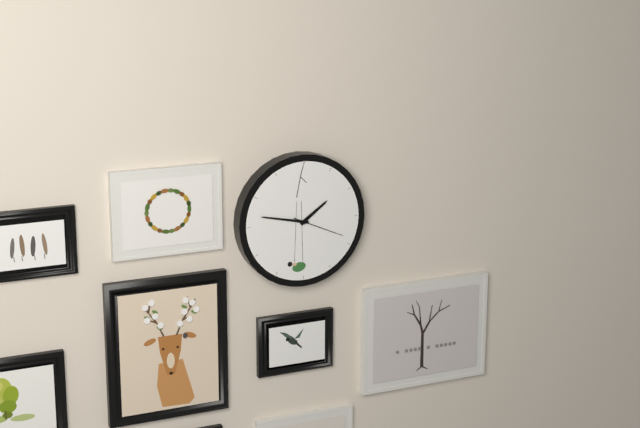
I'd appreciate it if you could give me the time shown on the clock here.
1:47:19
